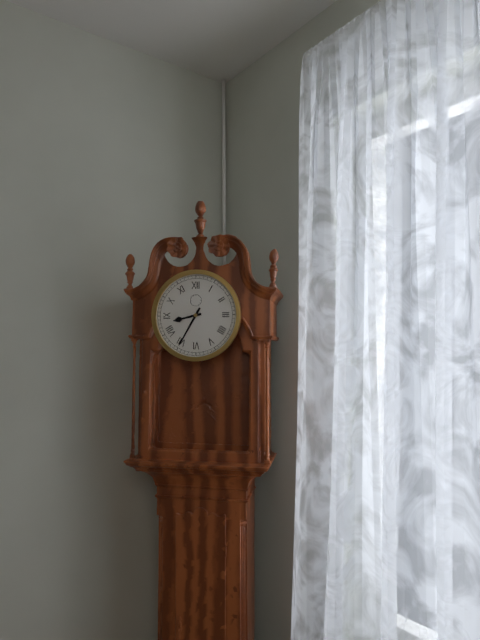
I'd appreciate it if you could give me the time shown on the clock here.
8:35
